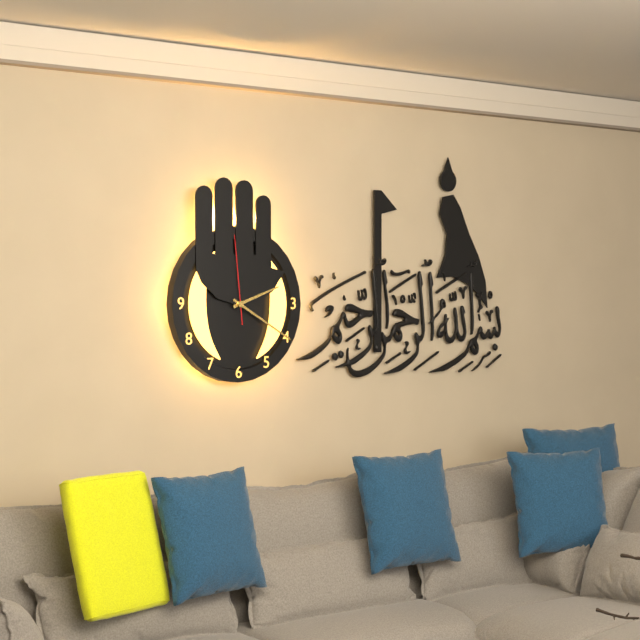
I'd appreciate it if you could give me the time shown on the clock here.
2:20:59
